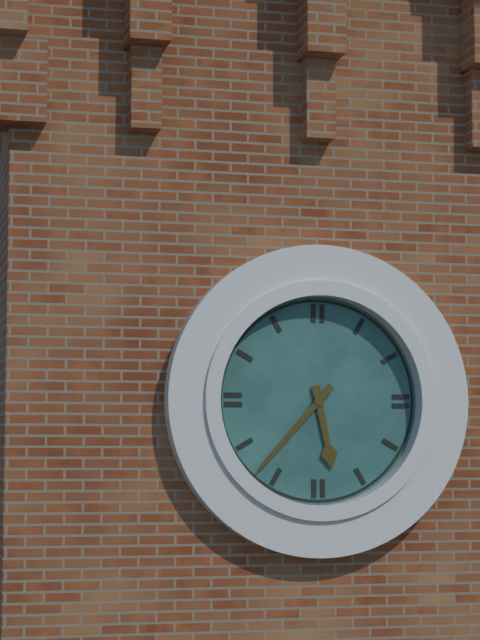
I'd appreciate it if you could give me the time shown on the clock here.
5:37
